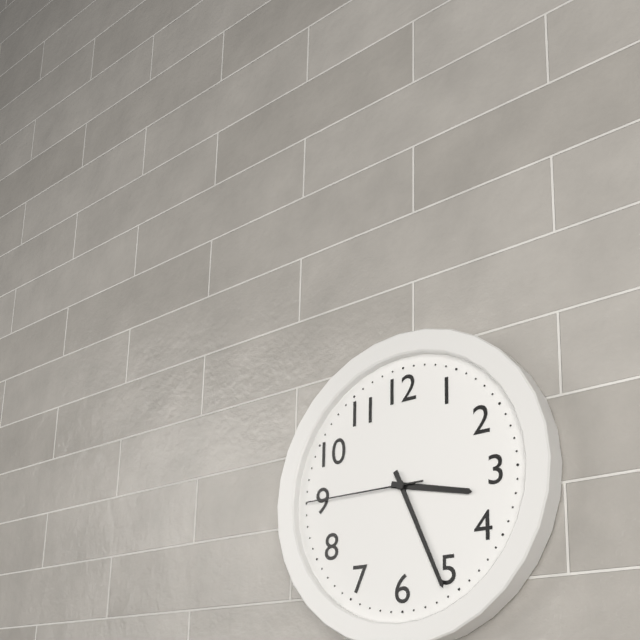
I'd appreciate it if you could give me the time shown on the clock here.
3:26:45
